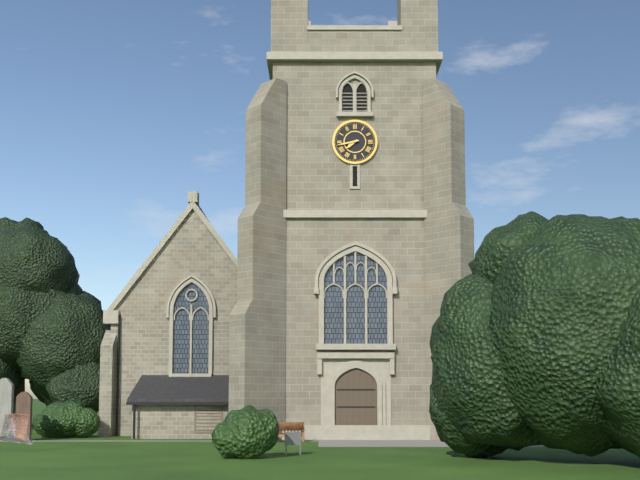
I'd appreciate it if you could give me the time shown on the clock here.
7:43
